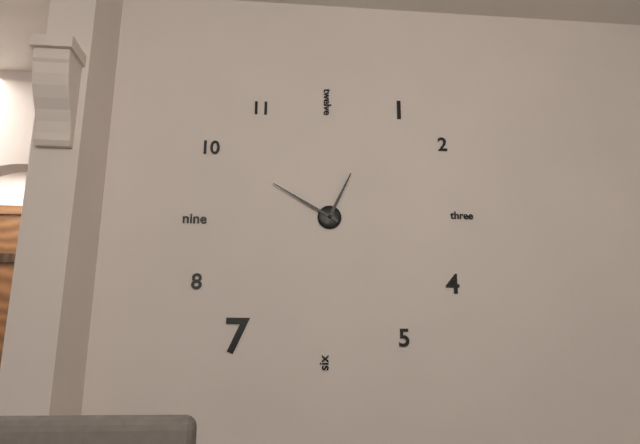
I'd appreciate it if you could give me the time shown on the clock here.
12:50
